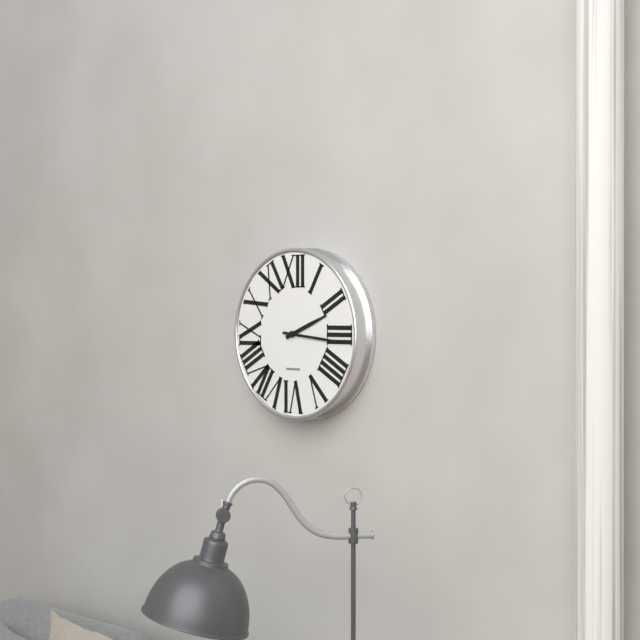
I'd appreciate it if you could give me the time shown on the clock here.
2:16
